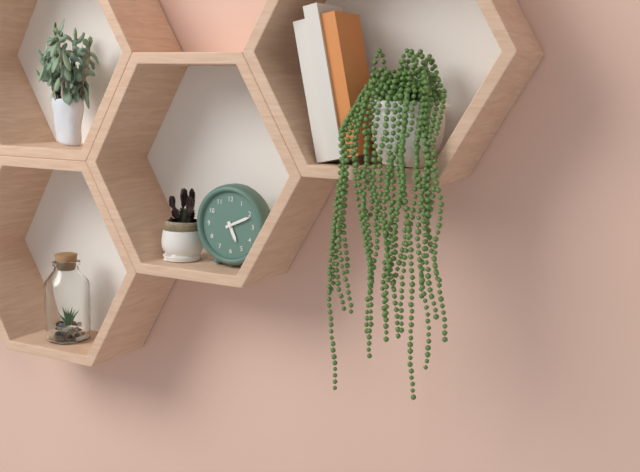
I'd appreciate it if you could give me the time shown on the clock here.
5:11
